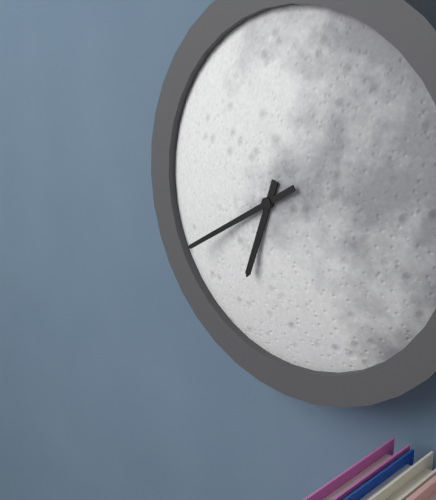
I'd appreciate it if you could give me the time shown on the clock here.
6:40
